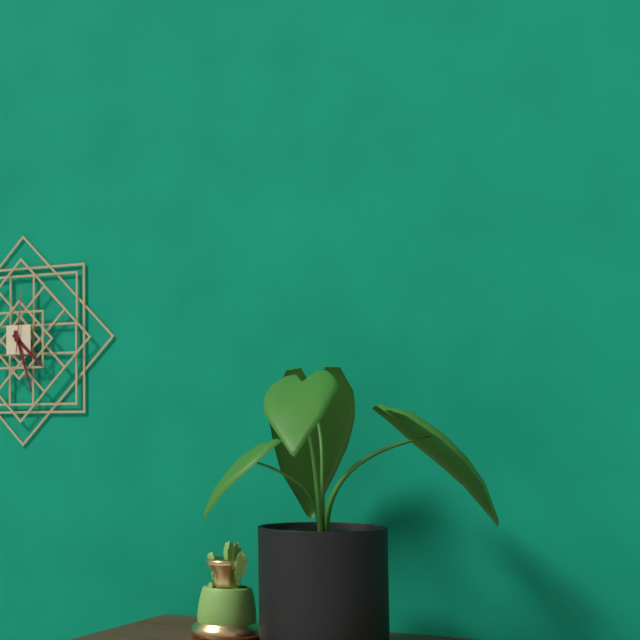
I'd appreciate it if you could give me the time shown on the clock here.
4:27:01
